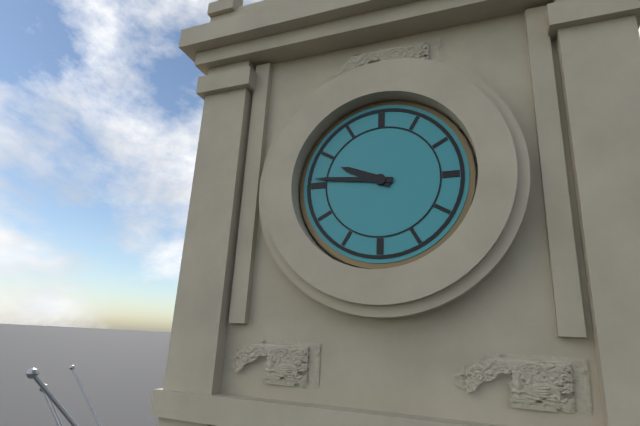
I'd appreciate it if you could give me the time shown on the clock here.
9:46
